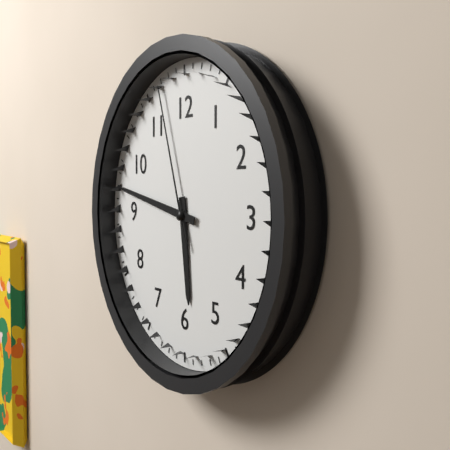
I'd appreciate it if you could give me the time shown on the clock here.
5:47:57
